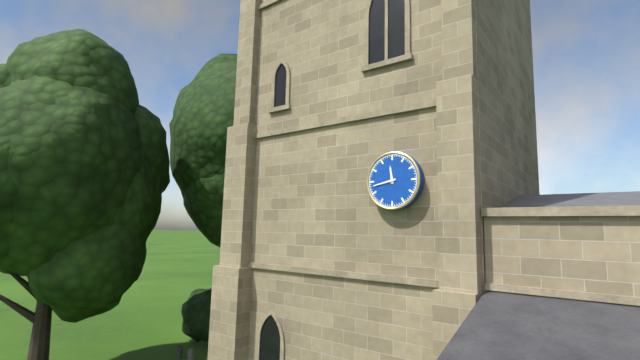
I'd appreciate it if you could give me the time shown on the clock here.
11:43
